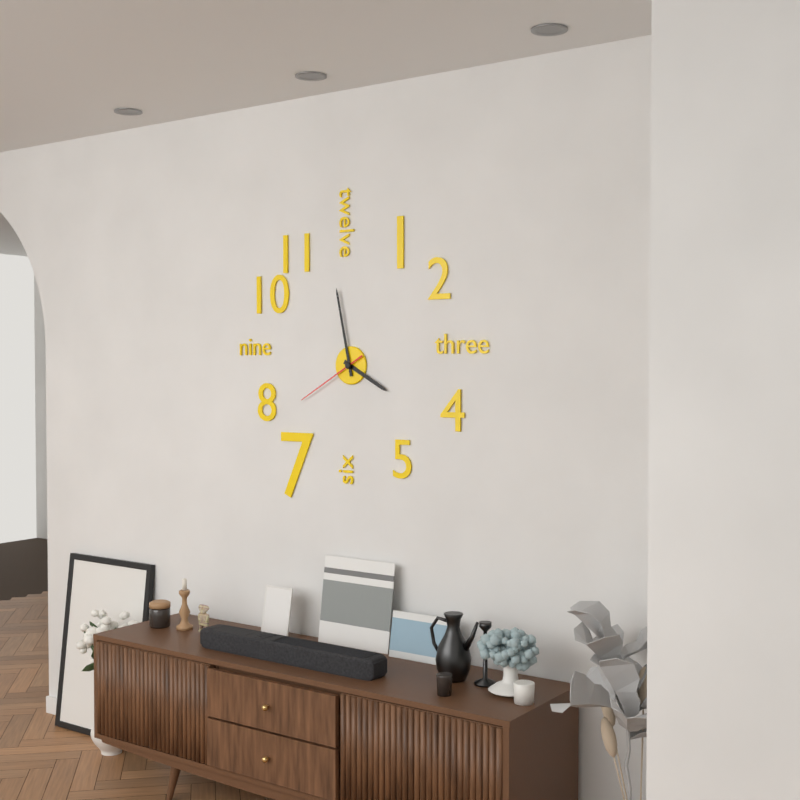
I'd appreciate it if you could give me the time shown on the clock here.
3:58:40
